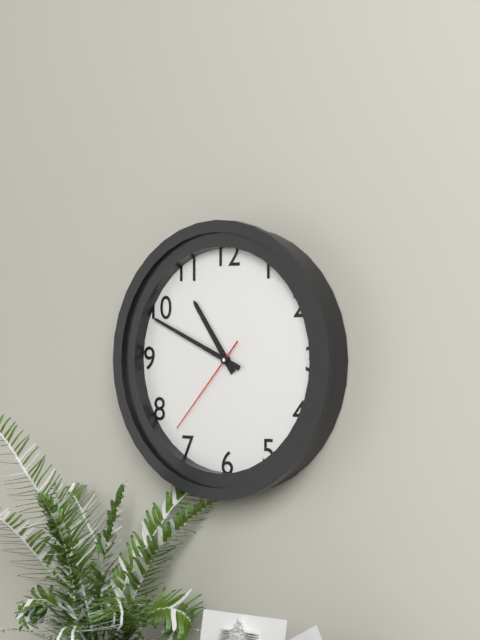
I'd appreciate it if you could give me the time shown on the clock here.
10:49:37
